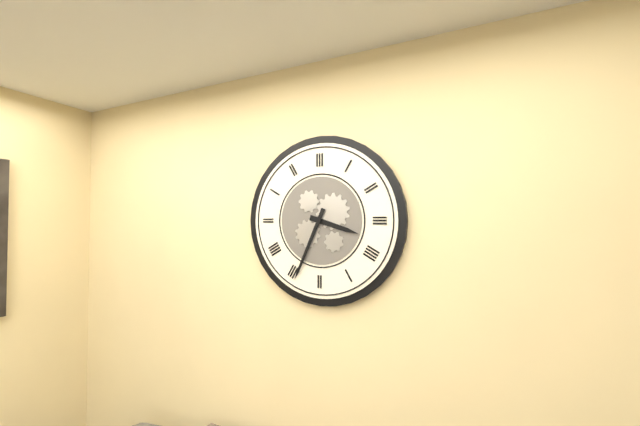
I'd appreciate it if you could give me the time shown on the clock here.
3:34
